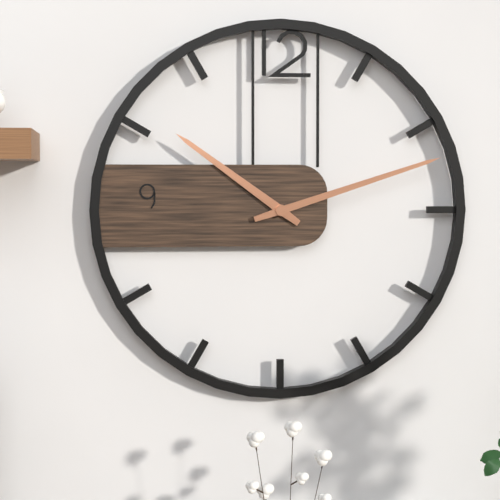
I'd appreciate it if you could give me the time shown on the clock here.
10:12
